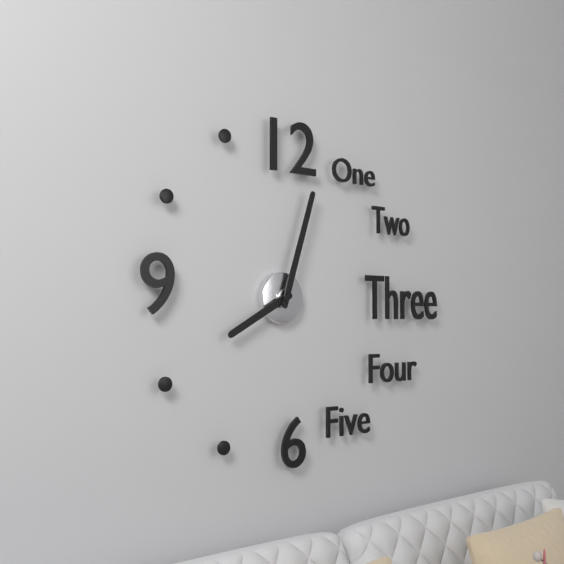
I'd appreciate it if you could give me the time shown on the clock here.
8:03
